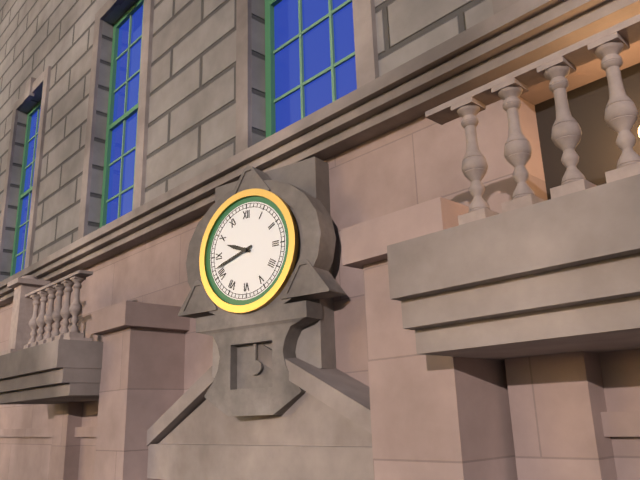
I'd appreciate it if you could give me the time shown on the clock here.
9:42
